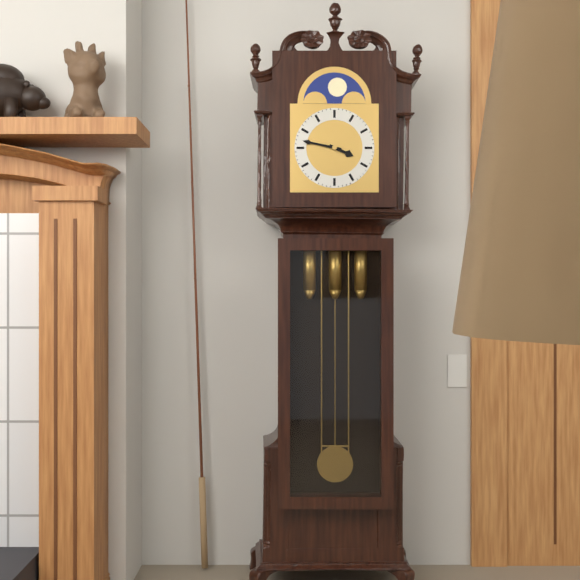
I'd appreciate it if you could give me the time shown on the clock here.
3:47
